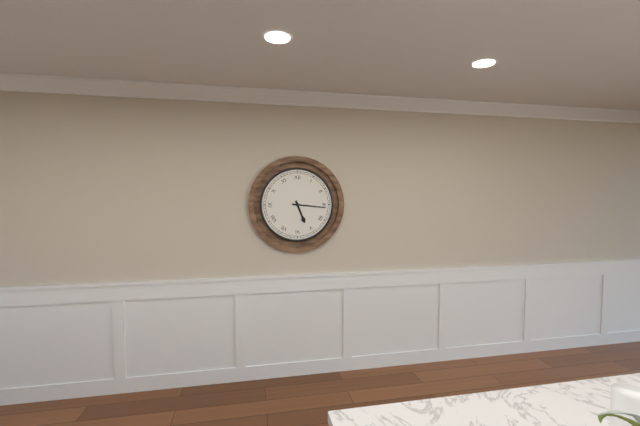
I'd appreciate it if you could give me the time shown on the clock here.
5:16
